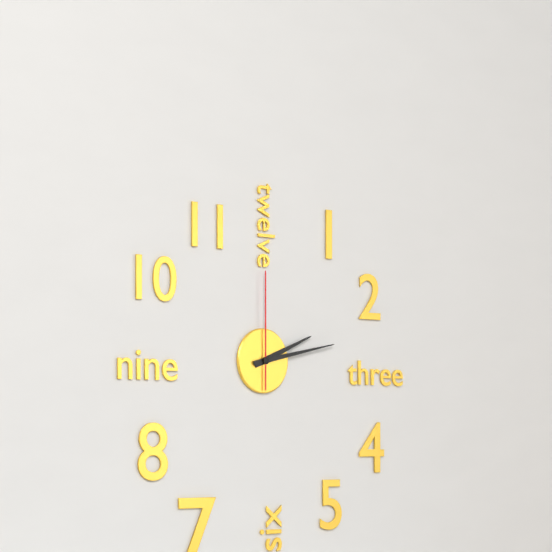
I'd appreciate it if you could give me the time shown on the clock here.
2:13:00
